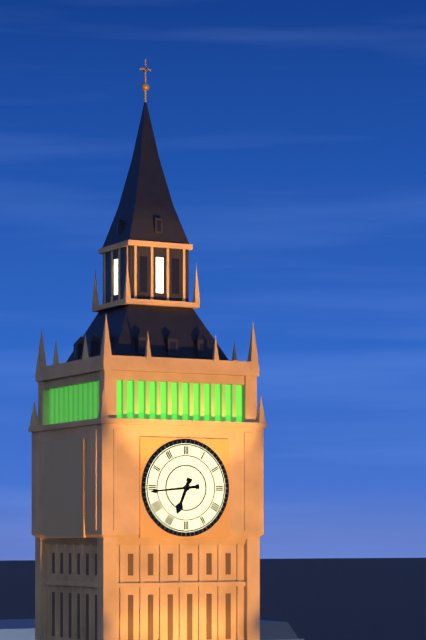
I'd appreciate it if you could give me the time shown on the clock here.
6:44
